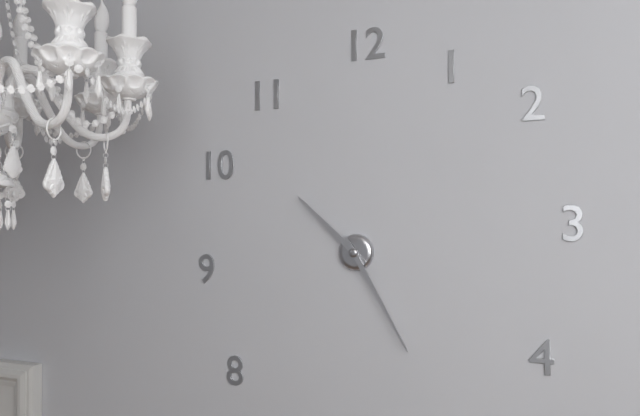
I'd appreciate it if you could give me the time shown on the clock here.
10:25
